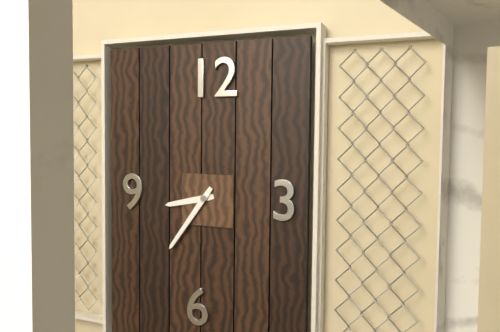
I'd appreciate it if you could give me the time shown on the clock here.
8:36
